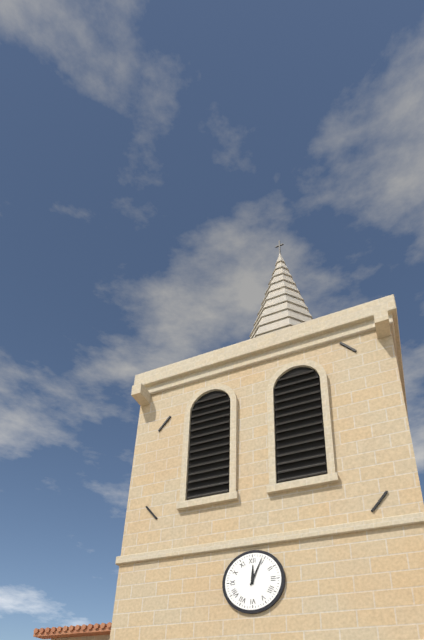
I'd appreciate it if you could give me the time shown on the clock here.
12:04
